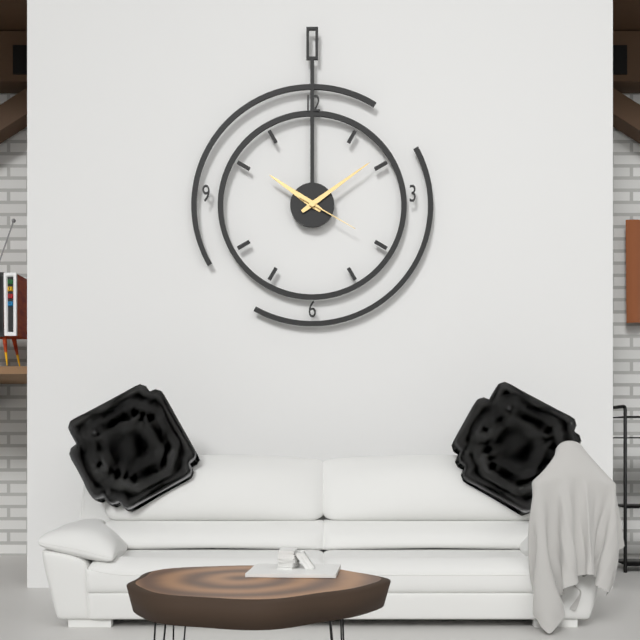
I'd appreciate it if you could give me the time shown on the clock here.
10:09:20
